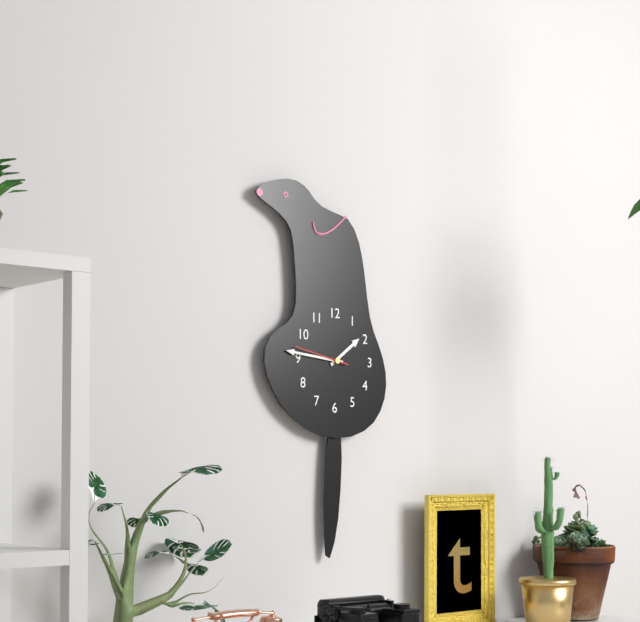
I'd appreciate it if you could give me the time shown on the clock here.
1:46:47
